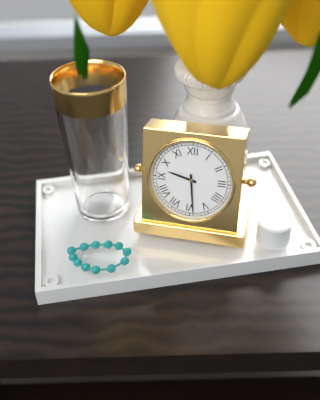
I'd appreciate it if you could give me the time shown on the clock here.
9:29
